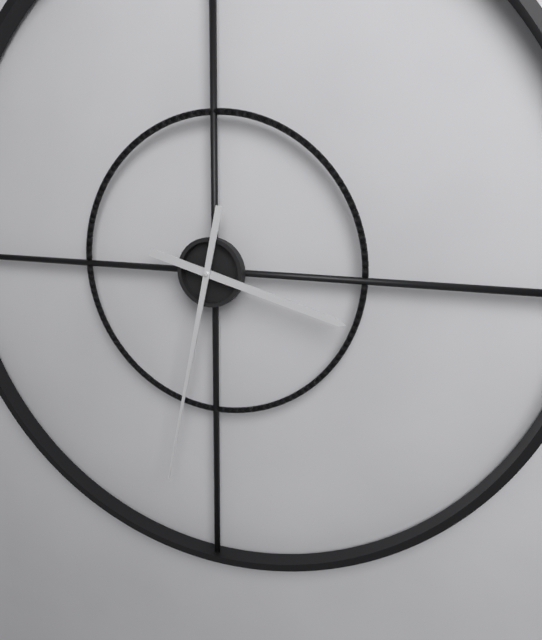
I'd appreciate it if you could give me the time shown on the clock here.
3:32
